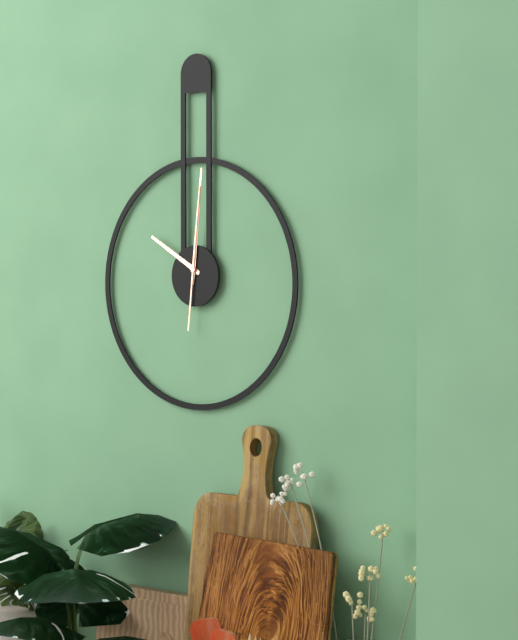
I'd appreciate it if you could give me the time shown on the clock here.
10:01:01
